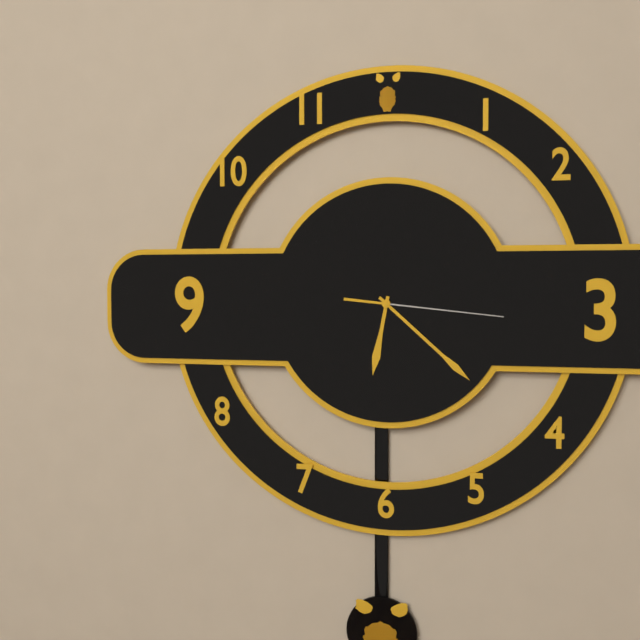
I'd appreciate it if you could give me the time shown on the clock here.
6:22:16
